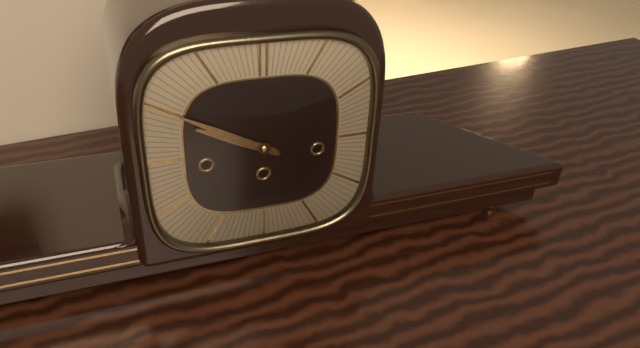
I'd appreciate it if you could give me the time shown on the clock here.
9:50
